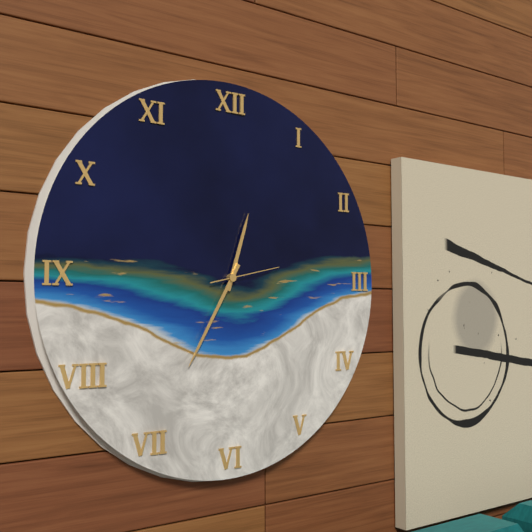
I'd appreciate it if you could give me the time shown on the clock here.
12:35:13
